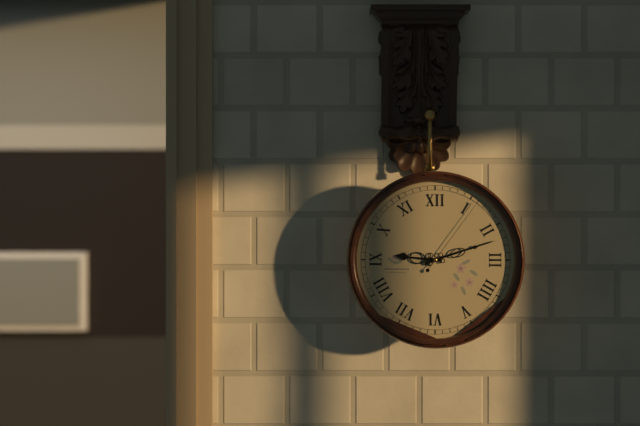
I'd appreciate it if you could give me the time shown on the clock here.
9:12:06
